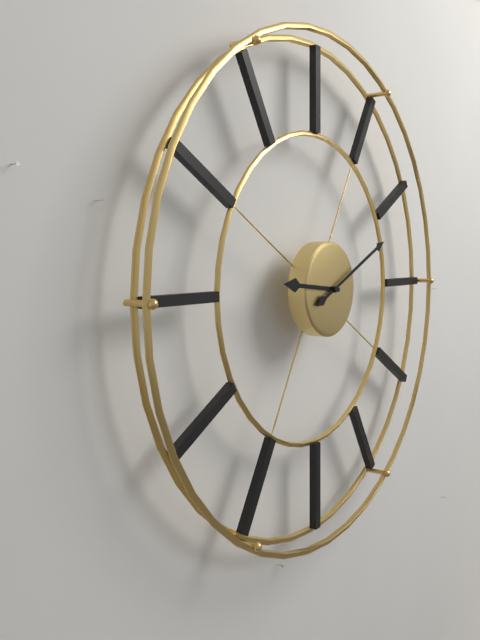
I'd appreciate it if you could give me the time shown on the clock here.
9:11
